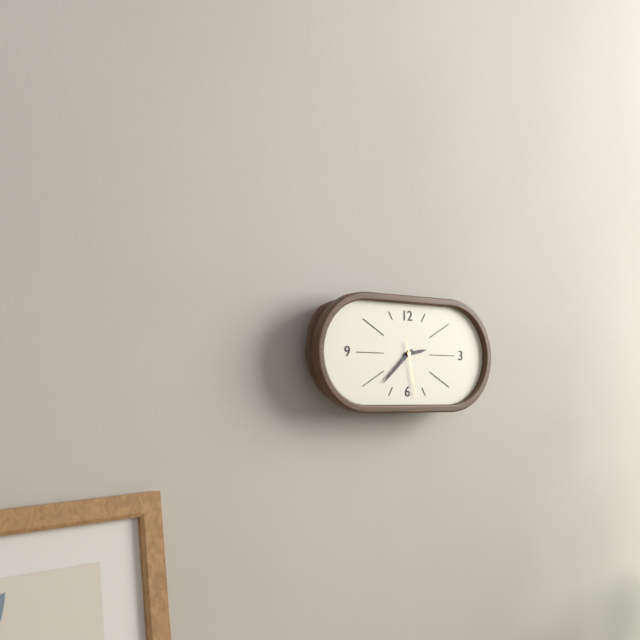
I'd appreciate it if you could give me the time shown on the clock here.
2:38:28
